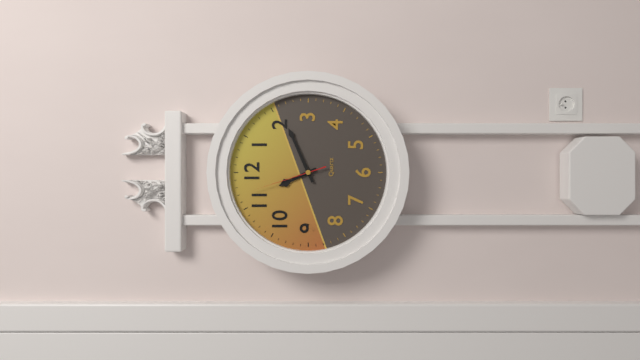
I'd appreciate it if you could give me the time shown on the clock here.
11:11:57
